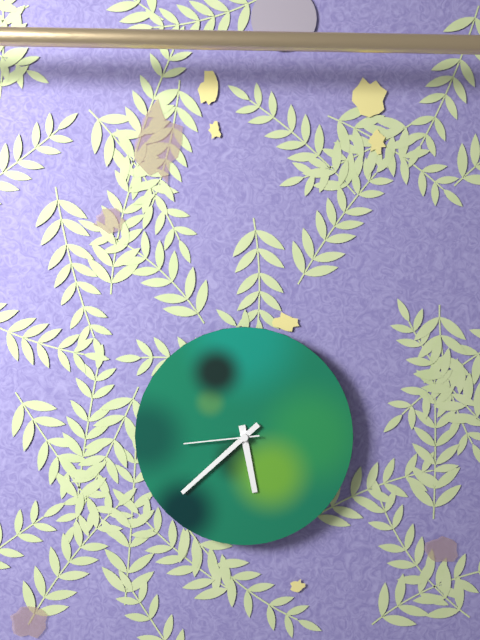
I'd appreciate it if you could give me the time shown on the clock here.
5:38:44
